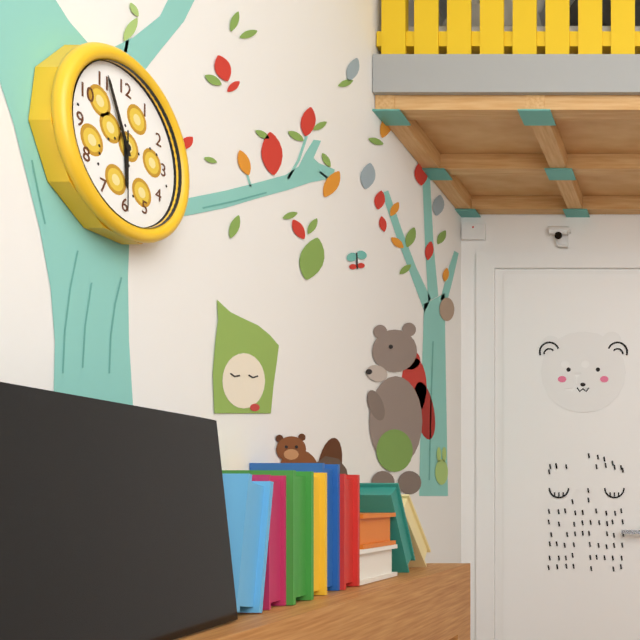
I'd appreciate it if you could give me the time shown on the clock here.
5:56:30
